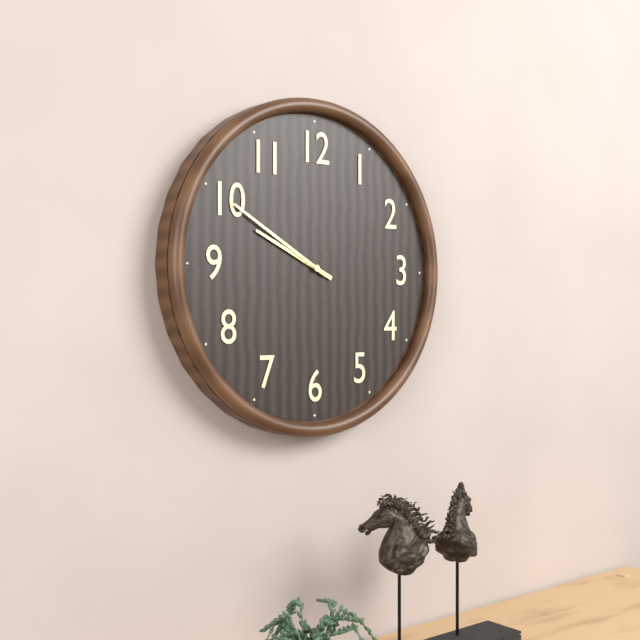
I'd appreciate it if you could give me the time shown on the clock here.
9:50
